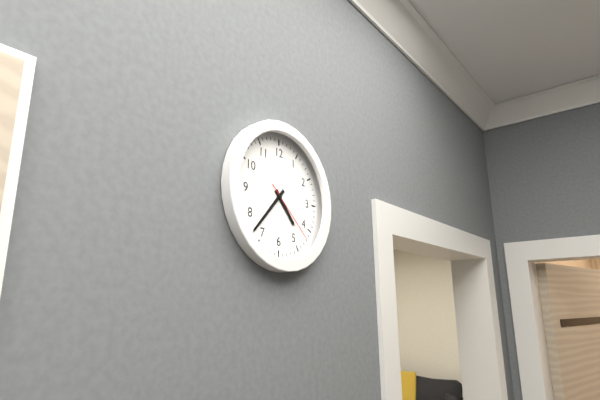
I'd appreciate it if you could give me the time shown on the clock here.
4:37:22
